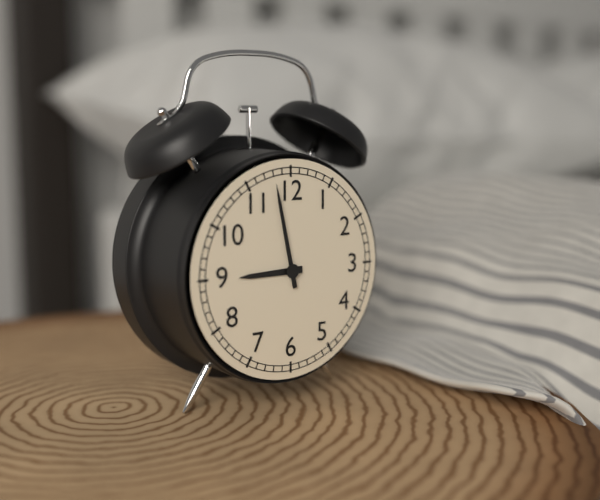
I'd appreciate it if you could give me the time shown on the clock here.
8:58
